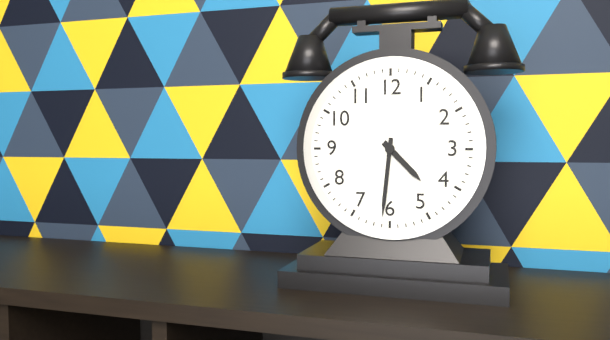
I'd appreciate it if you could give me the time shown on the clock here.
4:31
